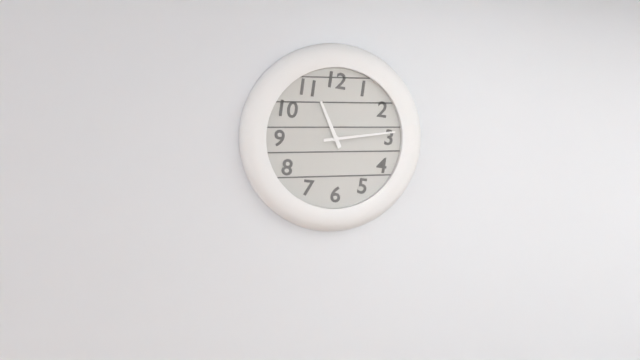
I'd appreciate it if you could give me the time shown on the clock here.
11:14
